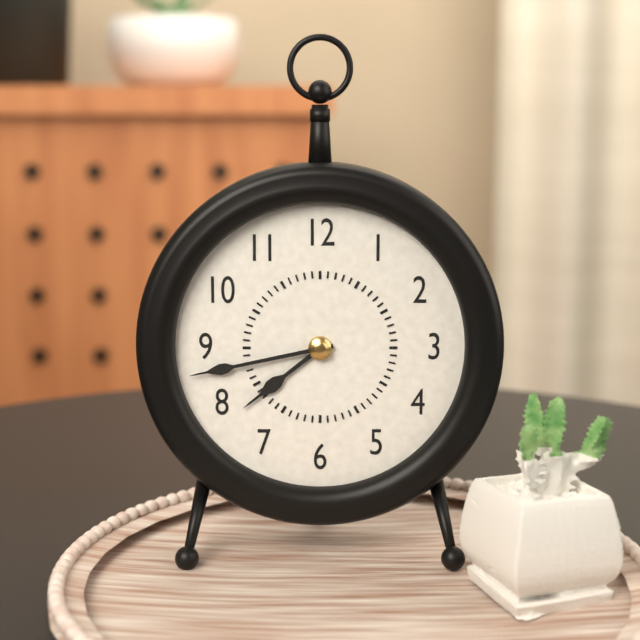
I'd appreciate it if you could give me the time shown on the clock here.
7:43
